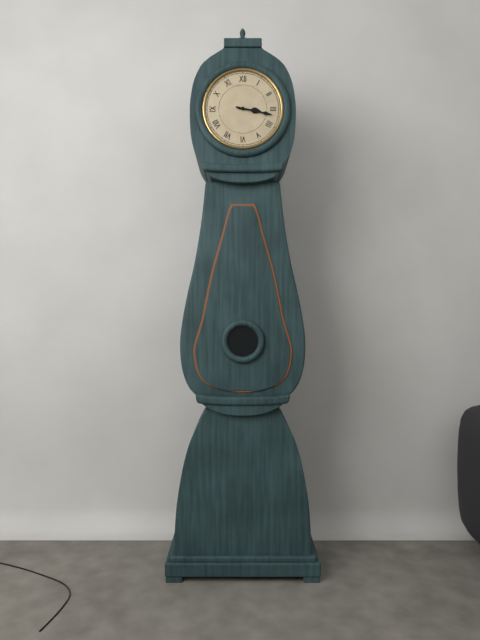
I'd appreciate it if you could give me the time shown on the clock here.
3:17
